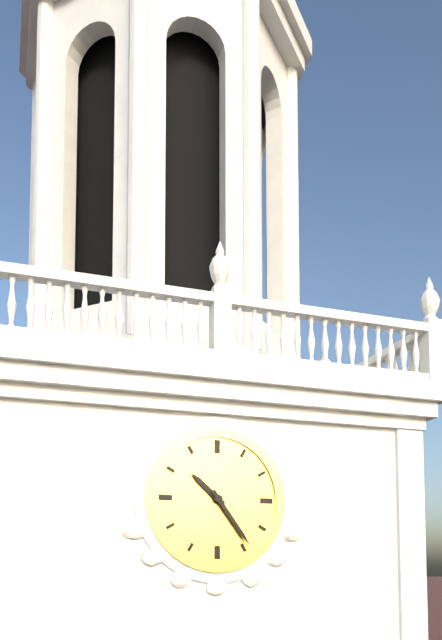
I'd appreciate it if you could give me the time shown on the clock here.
10:24
